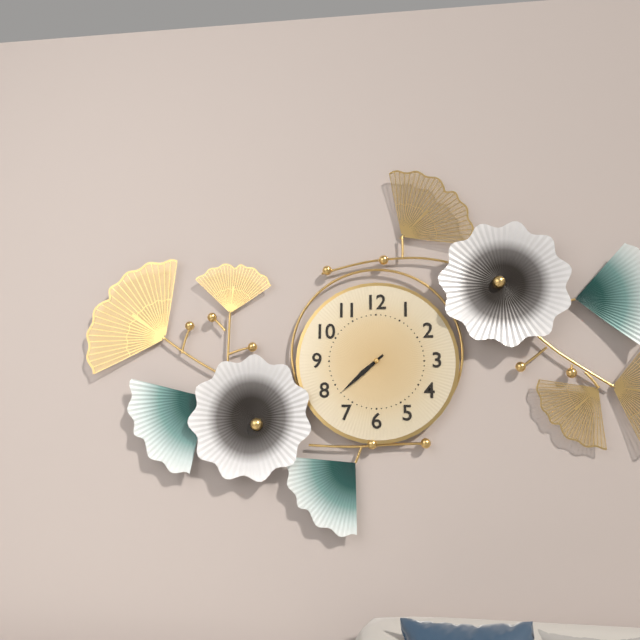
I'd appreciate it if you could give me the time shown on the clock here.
7:38
